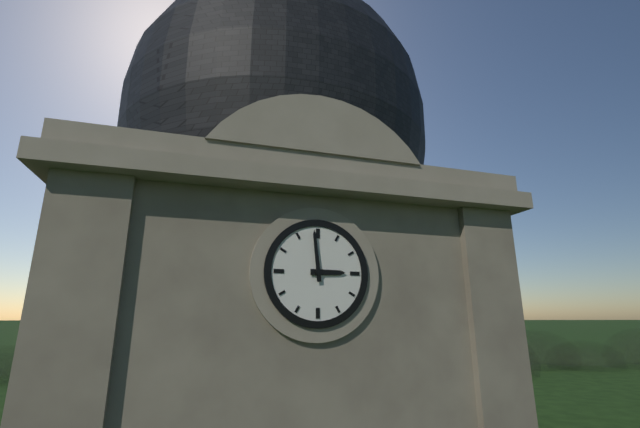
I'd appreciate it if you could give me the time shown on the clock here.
2:59
